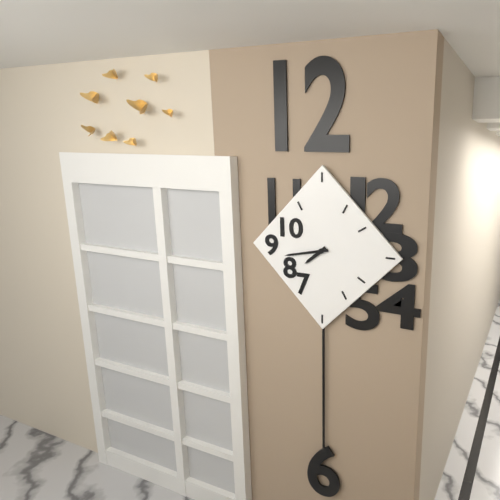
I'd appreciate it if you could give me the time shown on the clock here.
7:43
